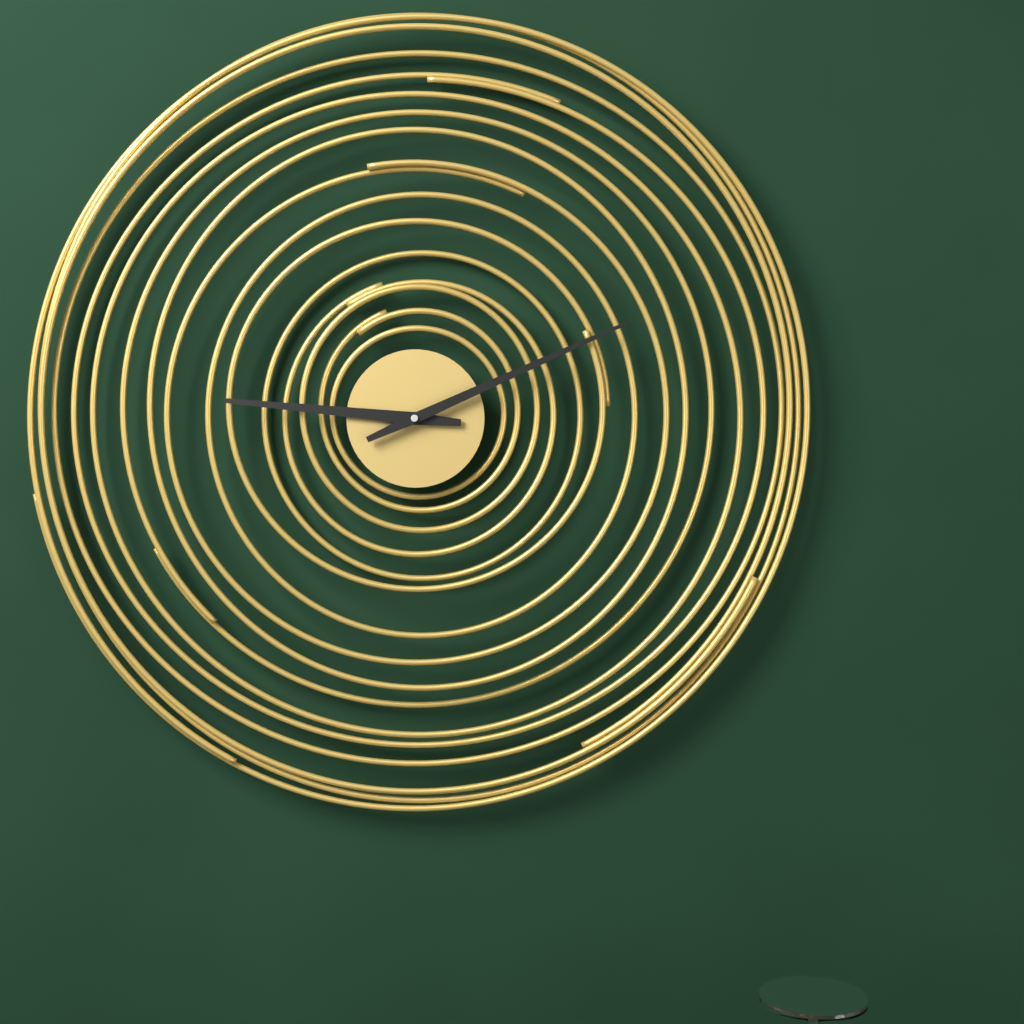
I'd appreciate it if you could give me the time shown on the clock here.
9:11
